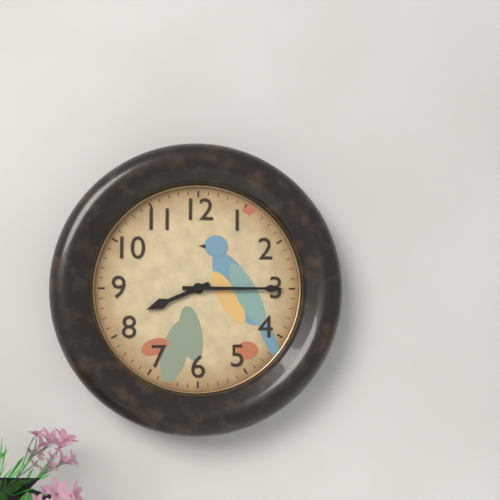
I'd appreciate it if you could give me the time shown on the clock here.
8:15
